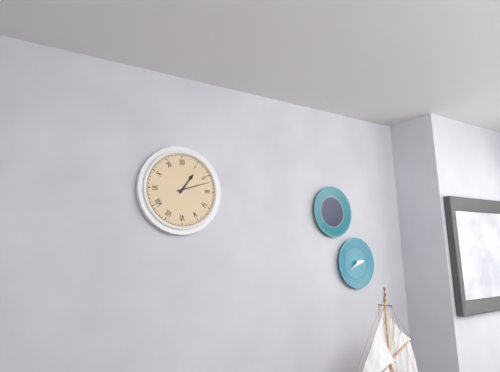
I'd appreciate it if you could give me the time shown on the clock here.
1:12
